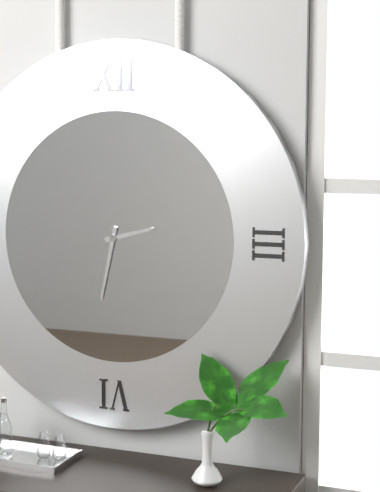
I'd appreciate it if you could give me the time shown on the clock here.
2:32
